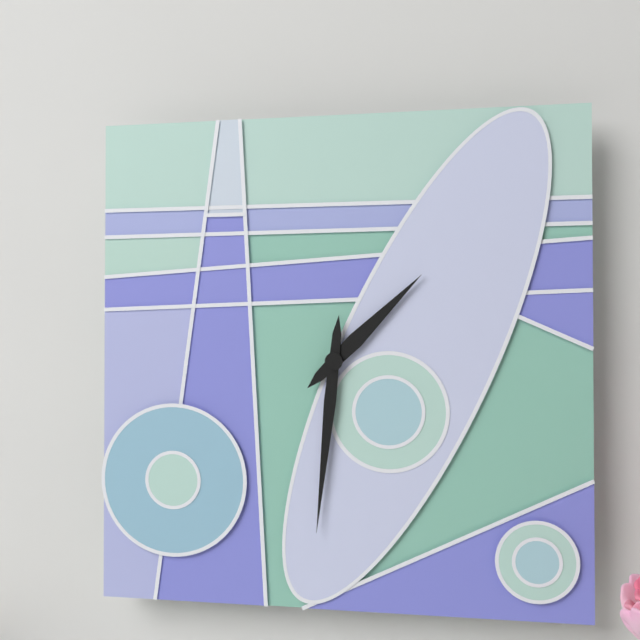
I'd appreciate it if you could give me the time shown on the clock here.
1:31
